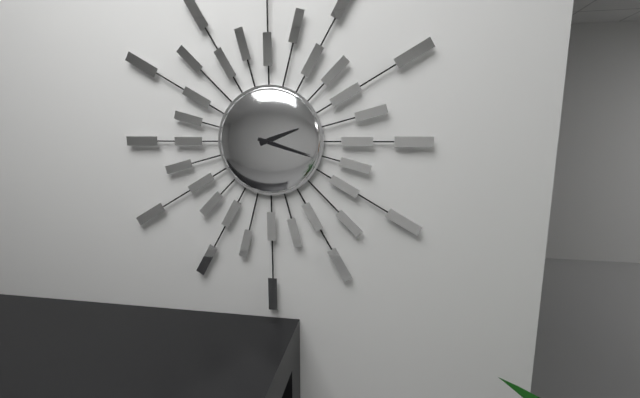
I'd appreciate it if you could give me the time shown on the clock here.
2:18
